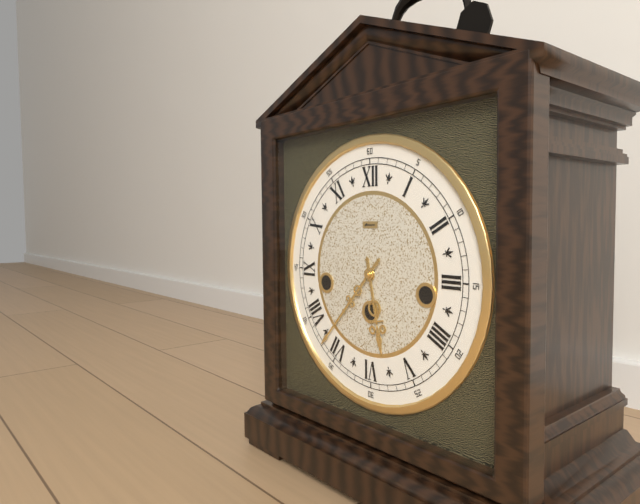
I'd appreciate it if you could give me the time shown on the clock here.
5:37
